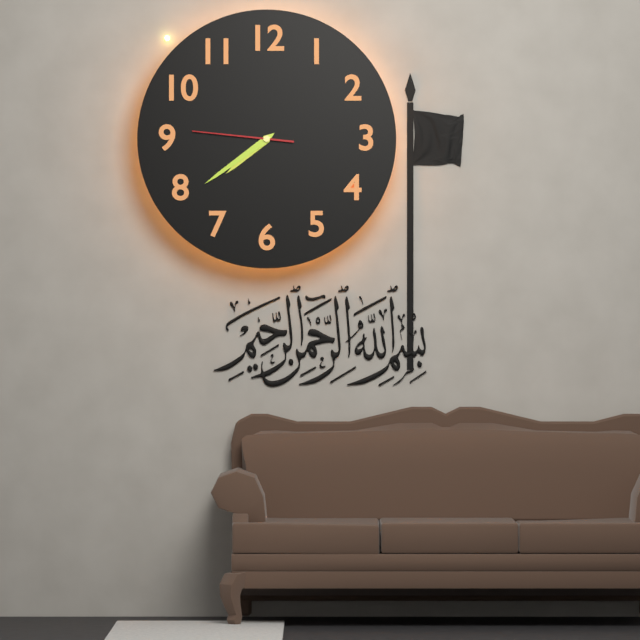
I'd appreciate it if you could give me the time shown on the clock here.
7:39:46
